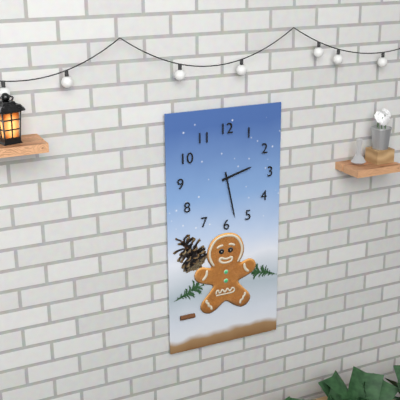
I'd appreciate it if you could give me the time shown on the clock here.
2:28
